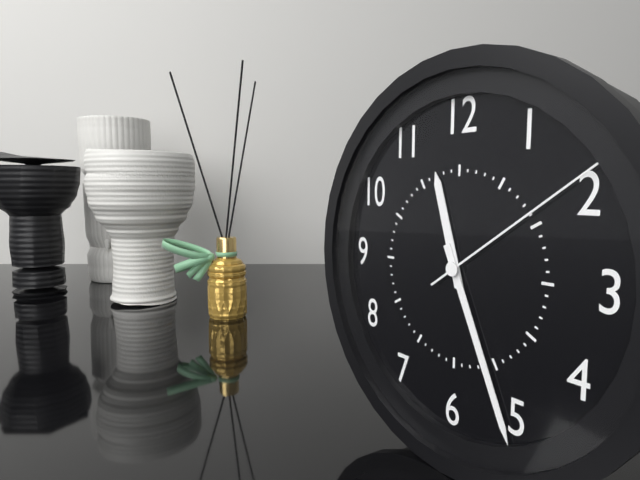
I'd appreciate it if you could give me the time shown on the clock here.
11:26:09
